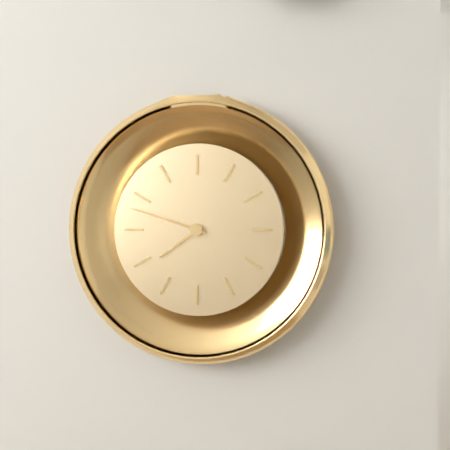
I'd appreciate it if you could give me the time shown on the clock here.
7:48
